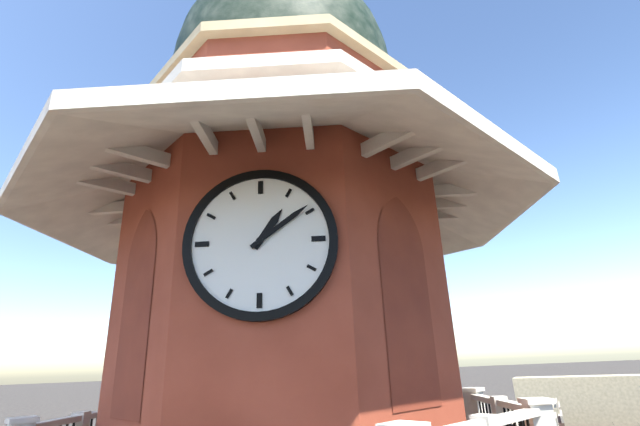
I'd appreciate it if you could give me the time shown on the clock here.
1:09
